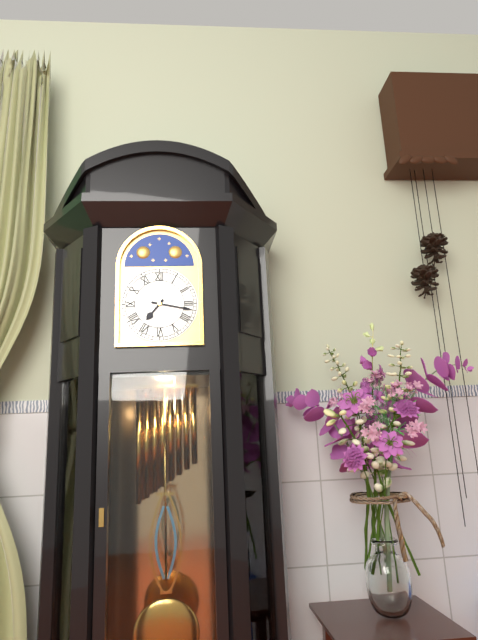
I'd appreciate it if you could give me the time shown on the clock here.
7:17
